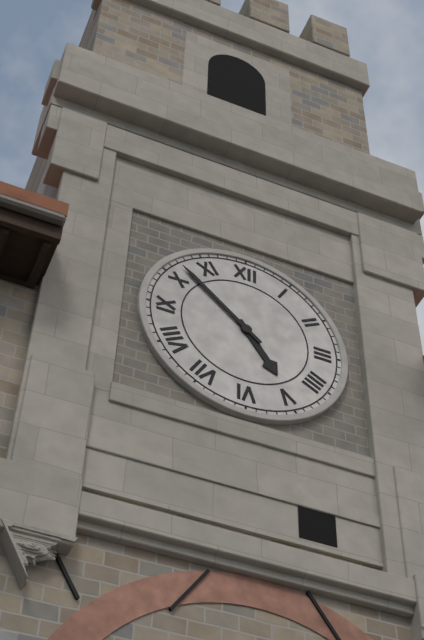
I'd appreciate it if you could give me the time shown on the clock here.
4:52
